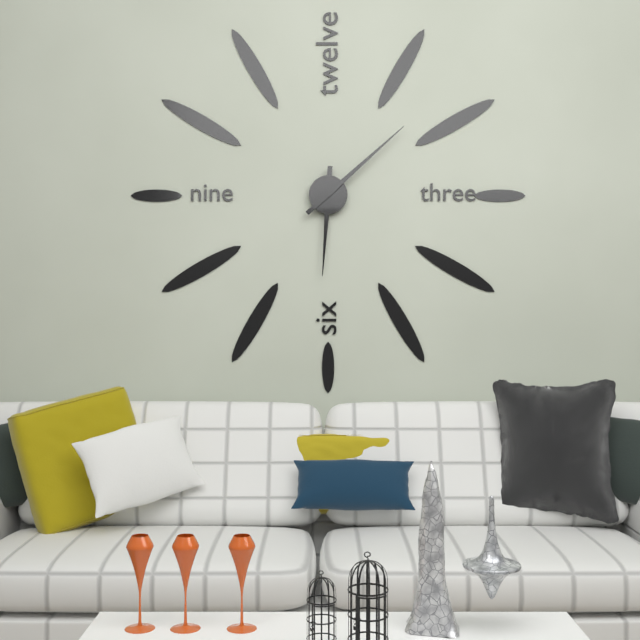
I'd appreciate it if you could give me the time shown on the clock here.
6:08
